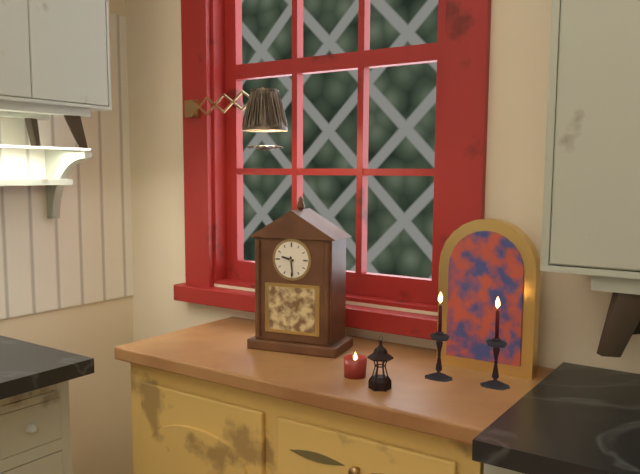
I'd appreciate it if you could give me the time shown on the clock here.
9:29
